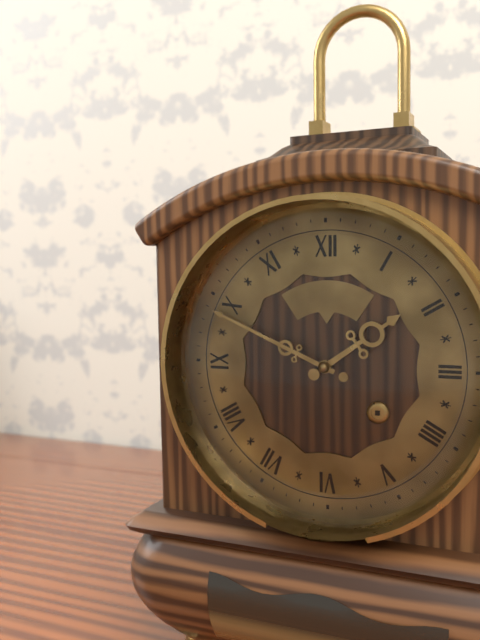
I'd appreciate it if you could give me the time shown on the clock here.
1:49
